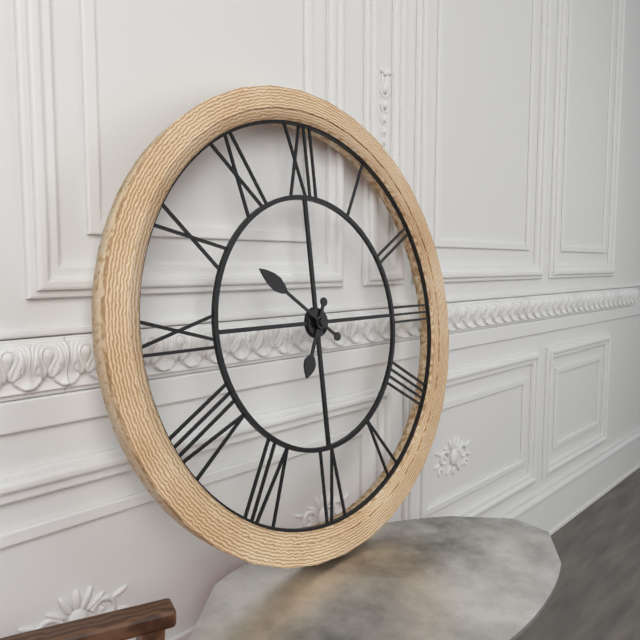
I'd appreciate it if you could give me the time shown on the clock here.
6:51
